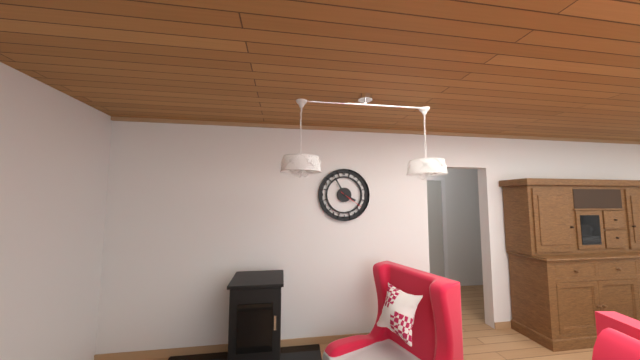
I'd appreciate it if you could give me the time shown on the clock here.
3:55
